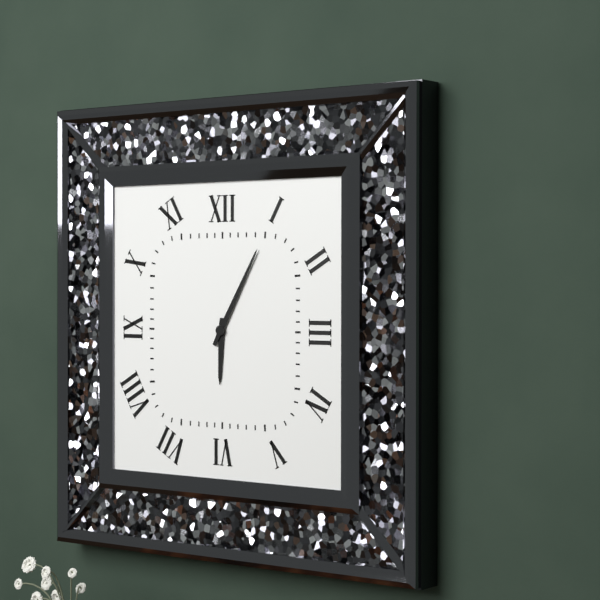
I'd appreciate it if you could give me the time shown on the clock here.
6:05
